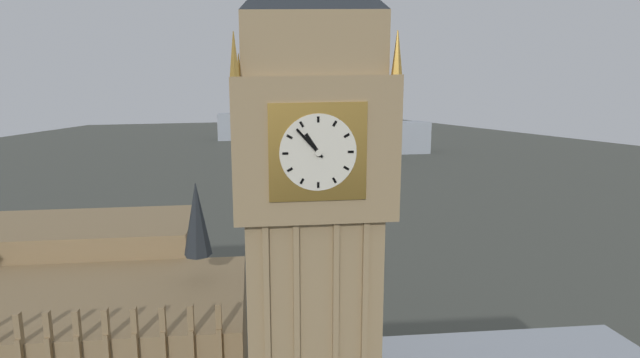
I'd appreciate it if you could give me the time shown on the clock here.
10:53
